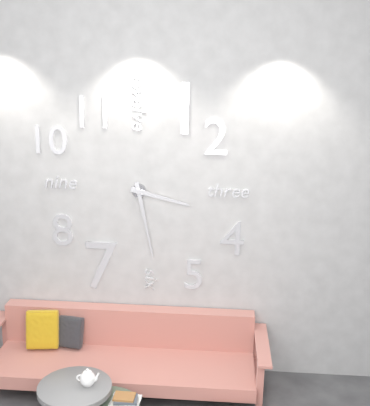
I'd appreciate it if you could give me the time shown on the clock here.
3:28
